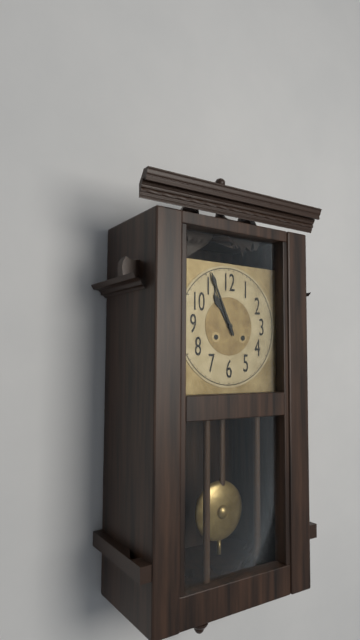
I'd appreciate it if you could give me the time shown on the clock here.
10:56
